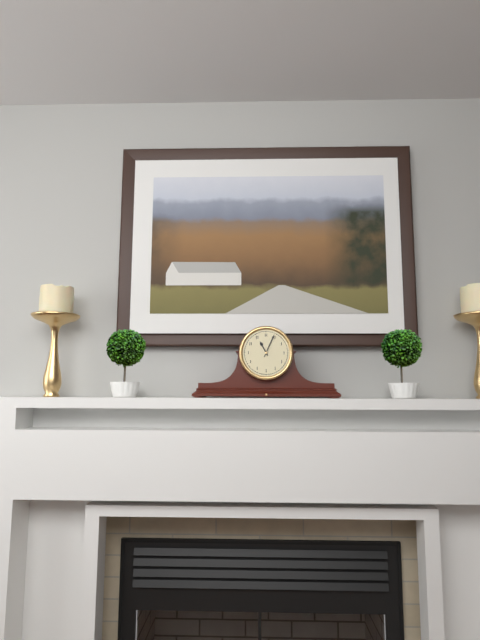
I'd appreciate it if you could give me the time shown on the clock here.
11:04
